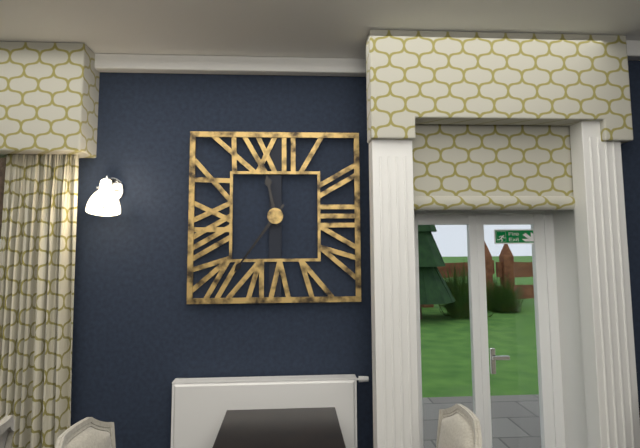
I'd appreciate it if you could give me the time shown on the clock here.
11:36
